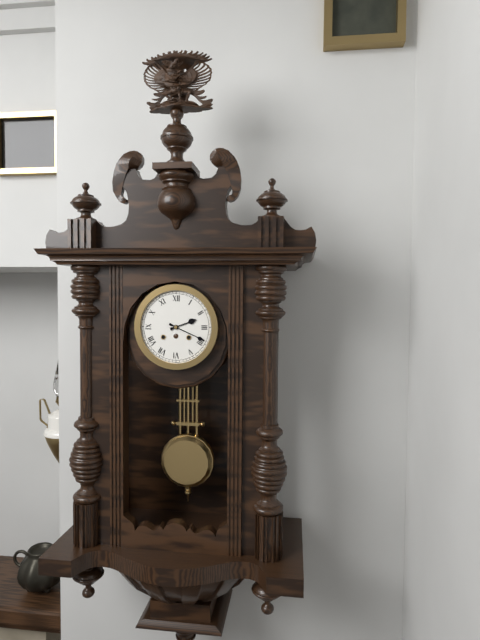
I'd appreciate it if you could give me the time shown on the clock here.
2:19
